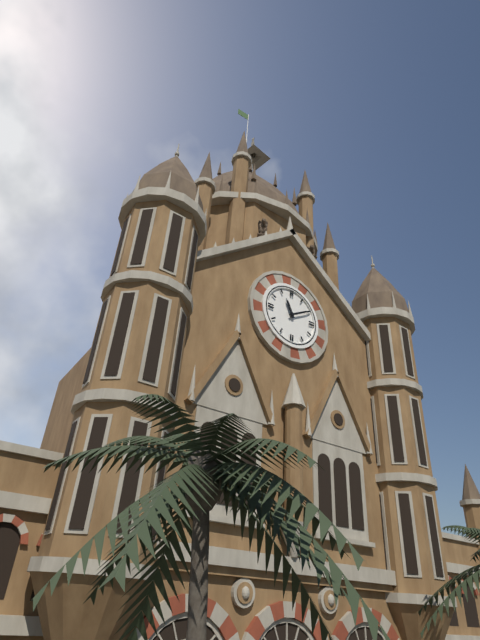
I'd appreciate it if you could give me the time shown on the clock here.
11:10
